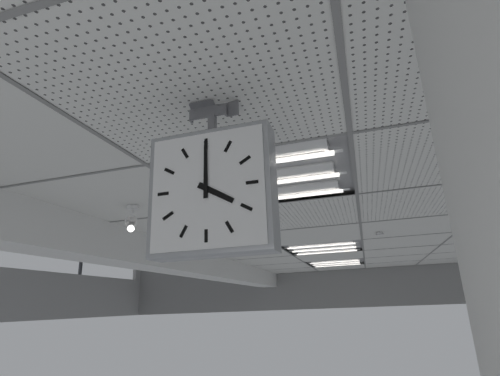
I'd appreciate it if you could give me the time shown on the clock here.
4:00
